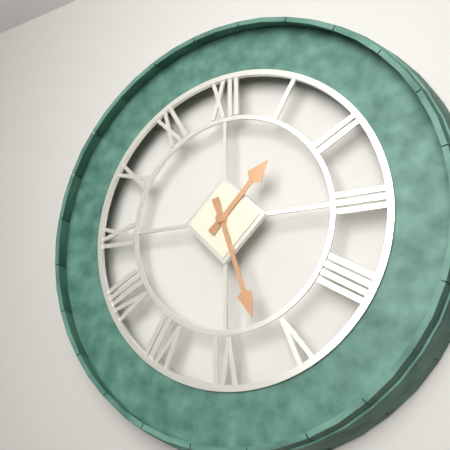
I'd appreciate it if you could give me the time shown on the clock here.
1:27
